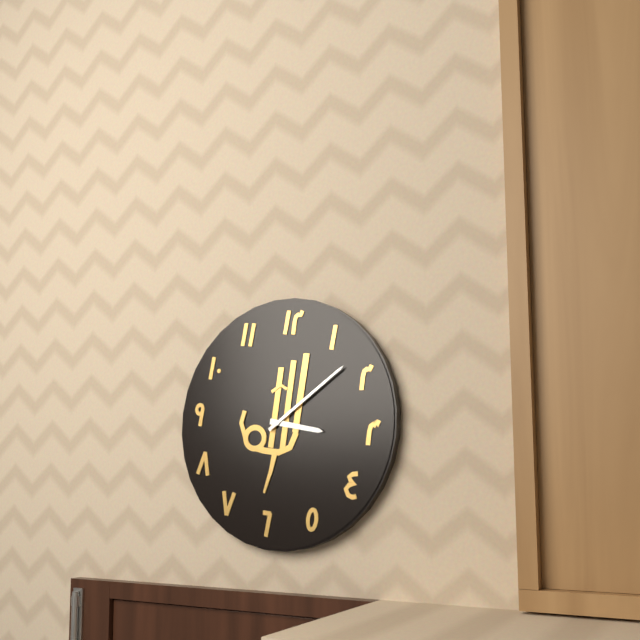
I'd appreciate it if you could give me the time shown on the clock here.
3:08
